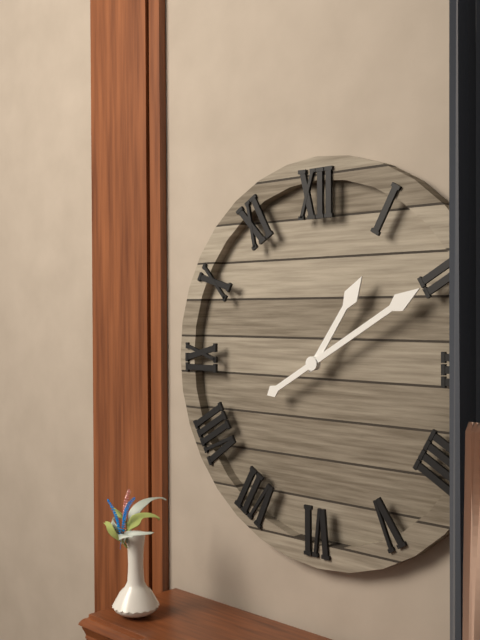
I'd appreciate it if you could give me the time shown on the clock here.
1:10
